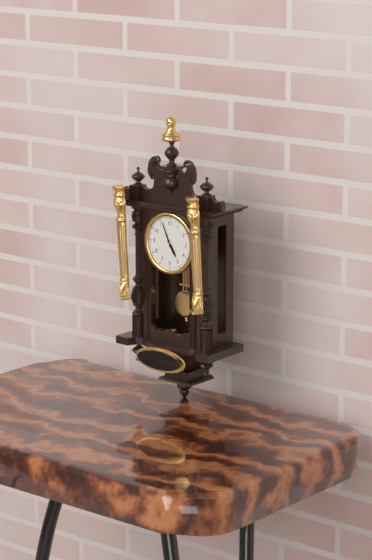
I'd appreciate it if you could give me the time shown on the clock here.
4:56
